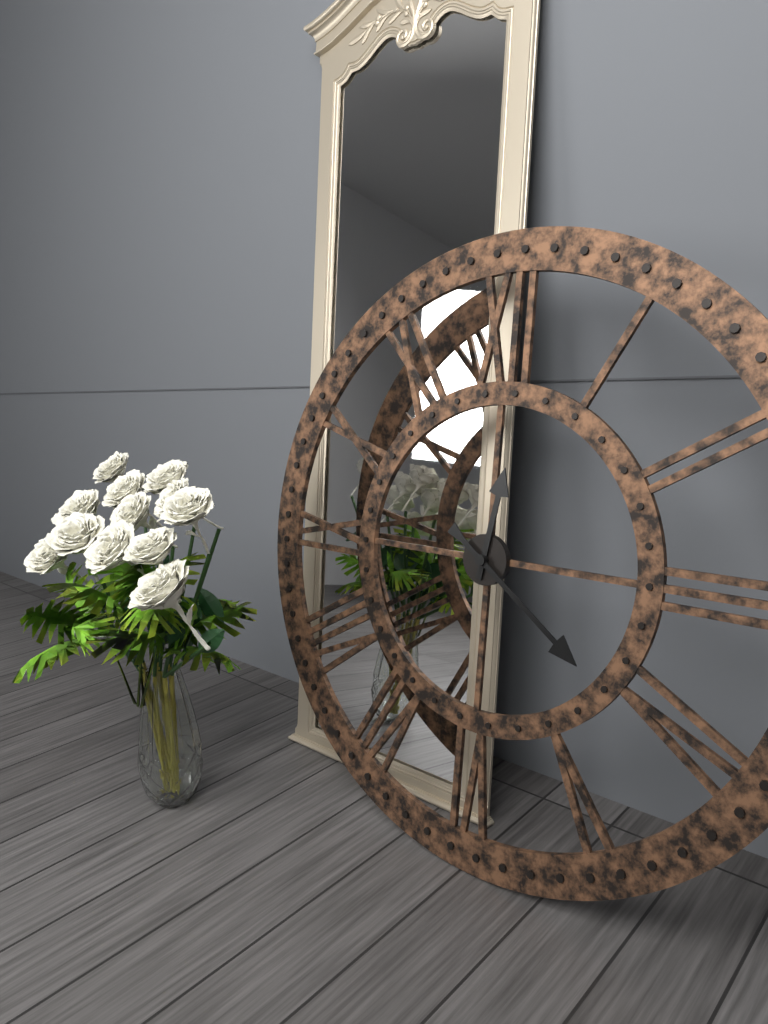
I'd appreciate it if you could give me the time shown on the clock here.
12:21
